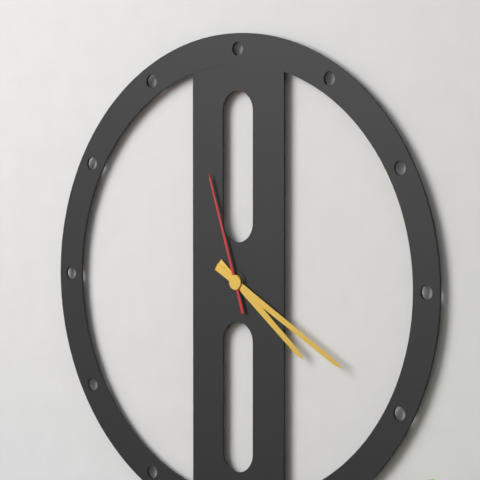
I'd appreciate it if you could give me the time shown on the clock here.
4:20:57
